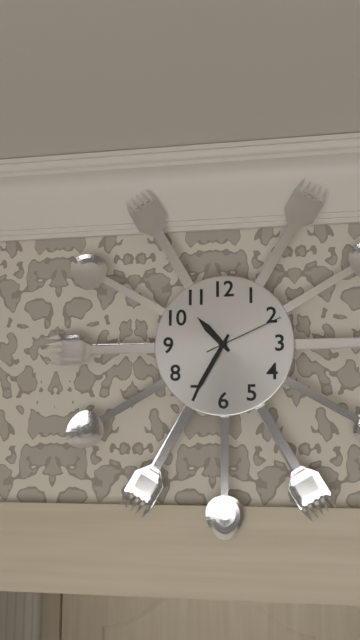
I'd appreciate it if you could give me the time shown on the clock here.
10:35:11
